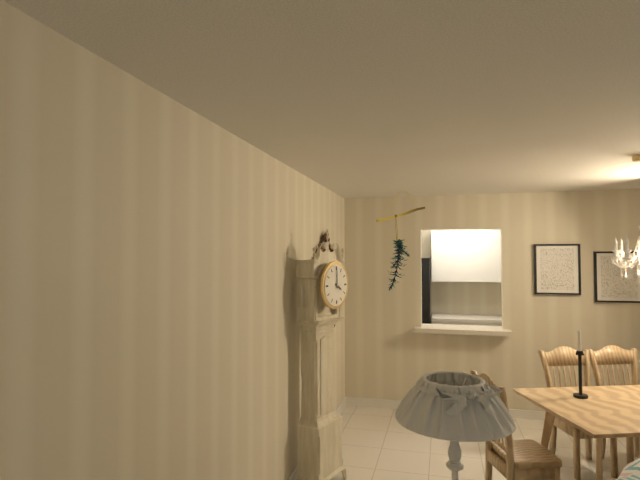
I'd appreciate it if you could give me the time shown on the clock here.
4:00
